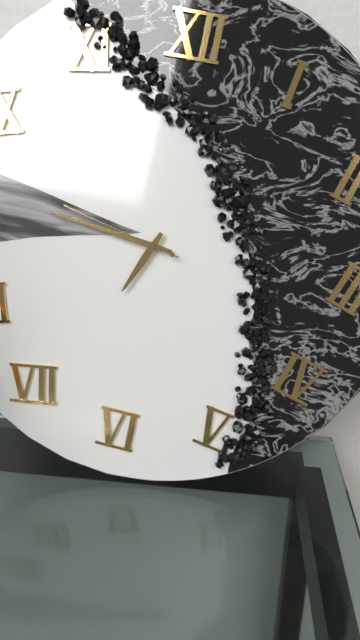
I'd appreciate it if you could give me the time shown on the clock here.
6:46:47
